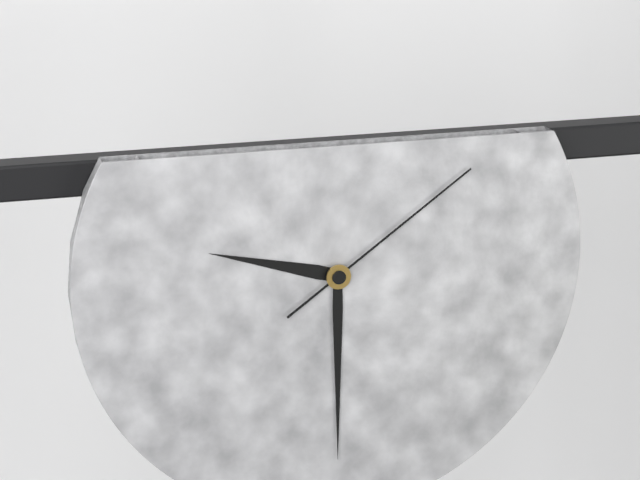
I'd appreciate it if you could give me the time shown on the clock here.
9:30:09
